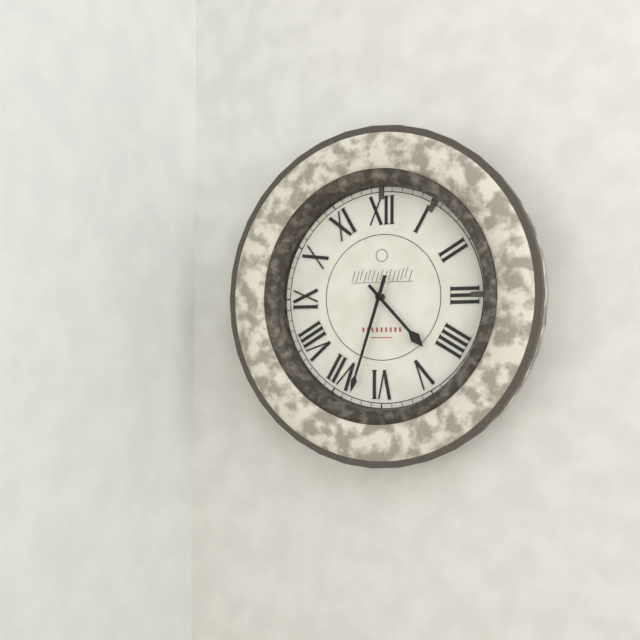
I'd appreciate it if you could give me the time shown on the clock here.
4:33
